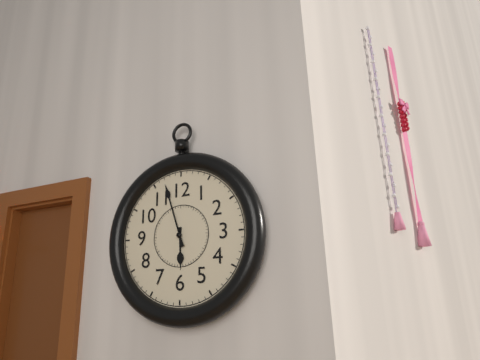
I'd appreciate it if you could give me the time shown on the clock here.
5:57
